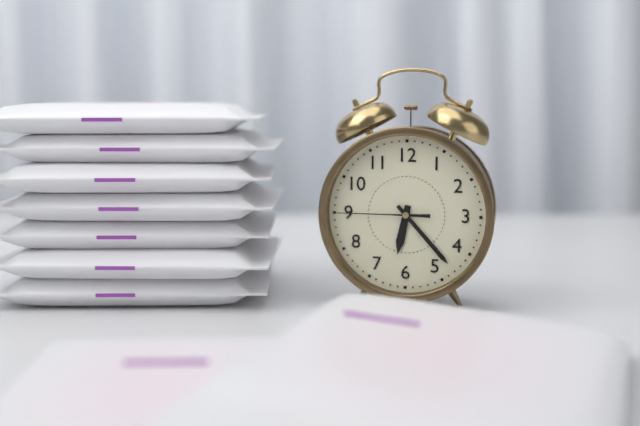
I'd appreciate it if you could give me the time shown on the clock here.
6:23:45
